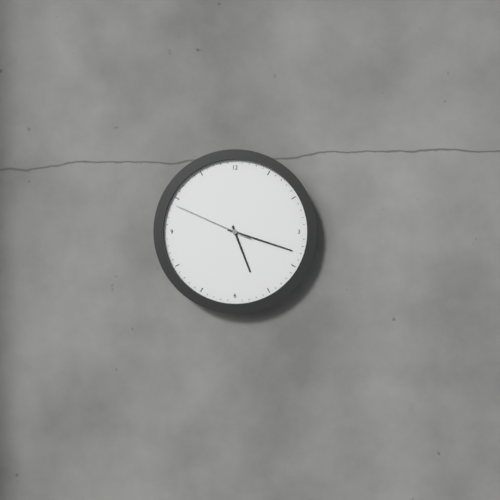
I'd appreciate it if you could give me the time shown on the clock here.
5:18:49
